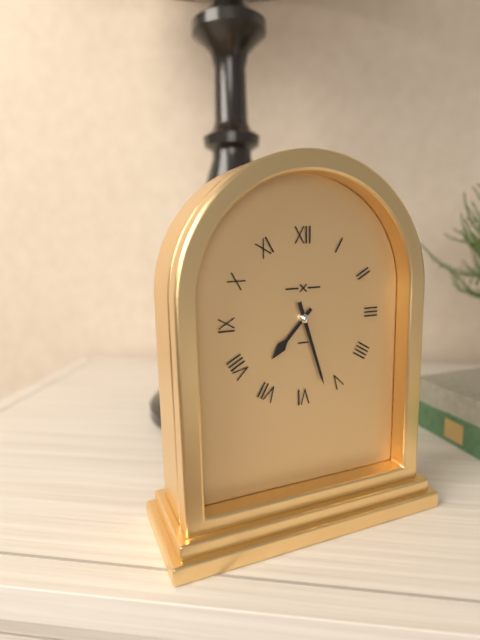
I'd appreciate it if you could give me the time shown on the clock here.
7:27
